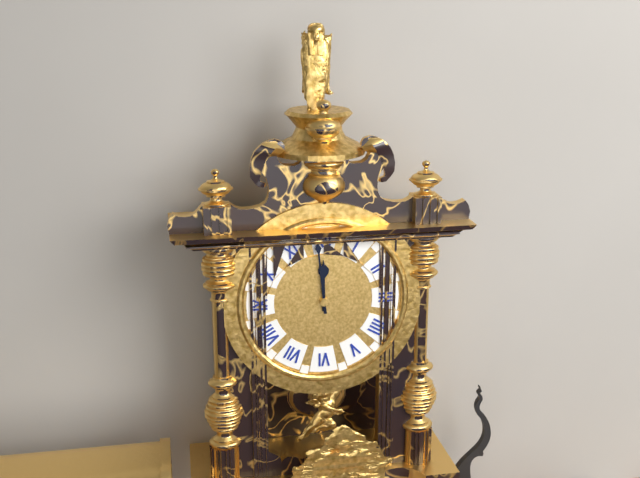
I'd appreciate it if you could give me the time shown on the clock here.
11:59
